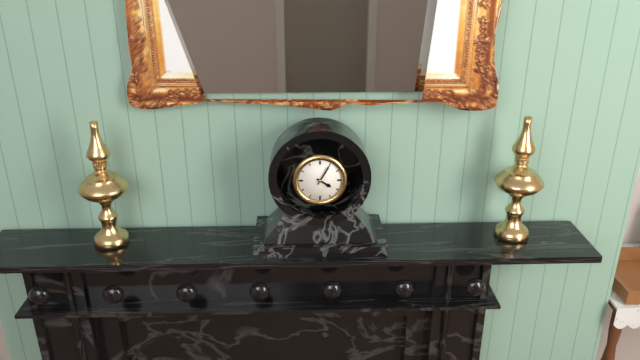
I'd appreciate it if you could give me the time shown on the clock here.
4:05
